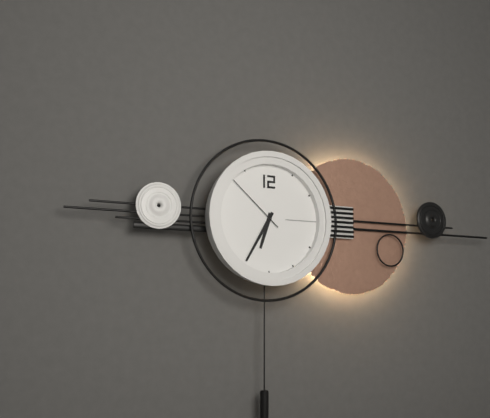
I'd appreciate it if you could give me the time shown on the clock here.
6:35:52
